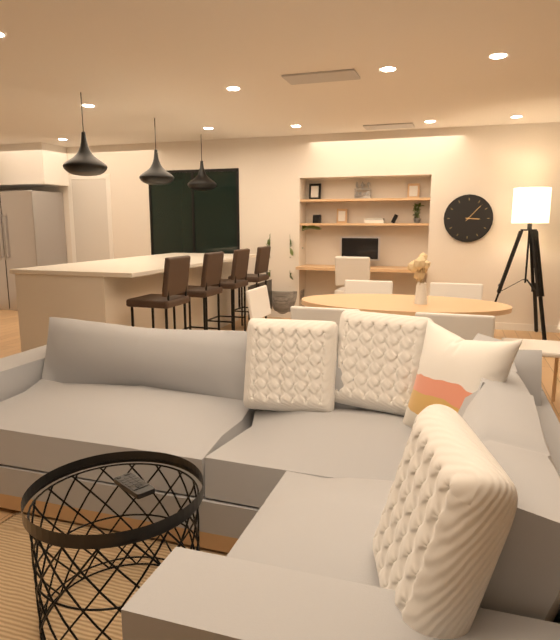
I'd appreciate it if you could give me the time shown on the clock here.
3:07
